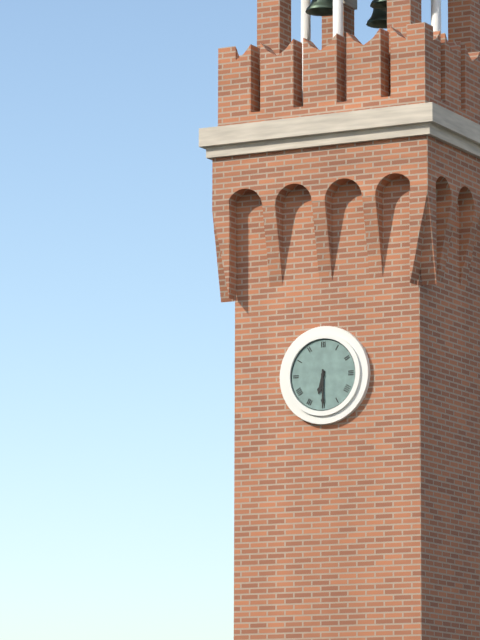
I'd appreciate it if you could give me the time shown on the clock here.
6:30
